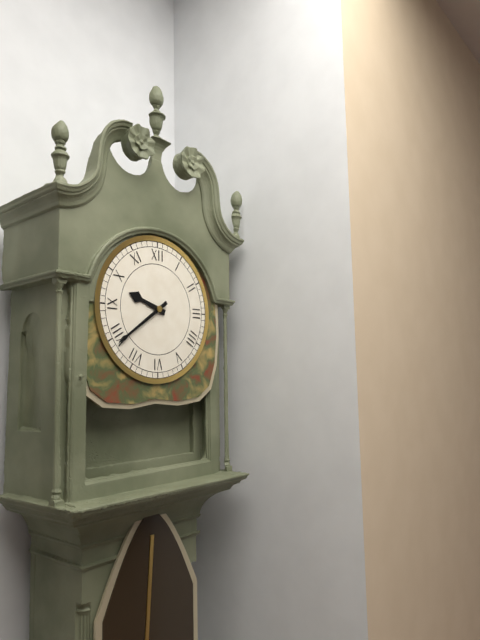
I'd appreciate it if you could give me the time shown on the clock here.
9:39
